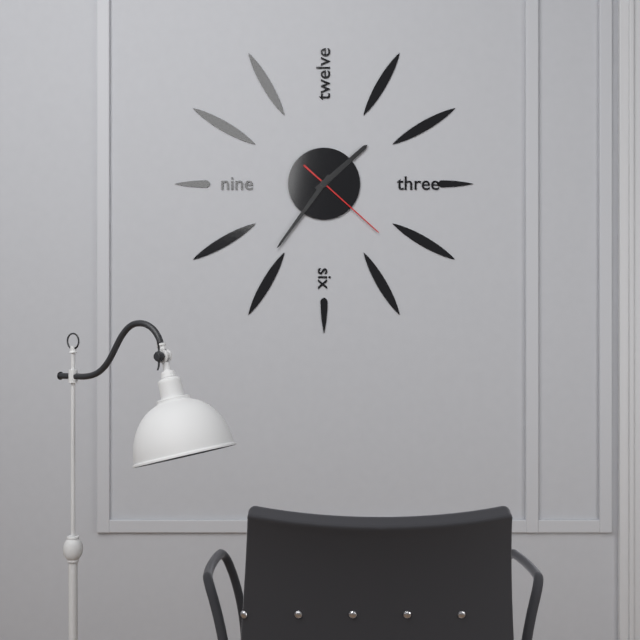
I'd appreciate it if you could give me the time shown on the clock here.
1:36:22
